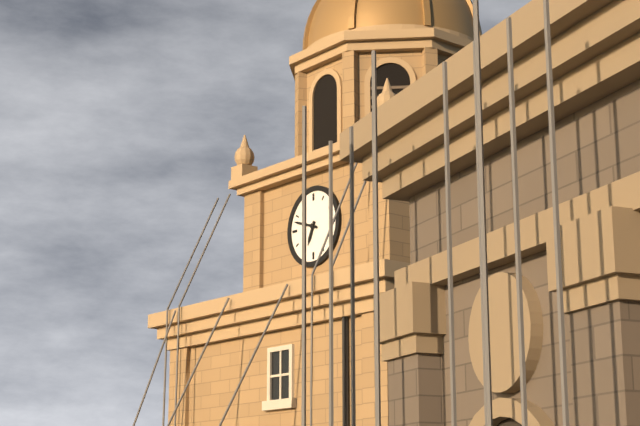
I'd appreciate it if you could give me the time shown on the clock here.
6:48
